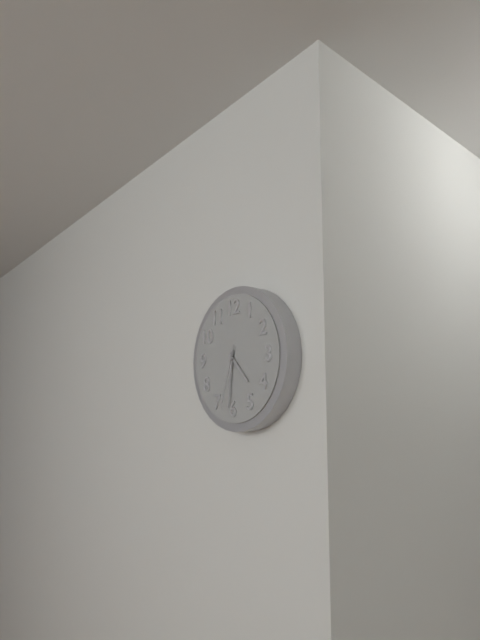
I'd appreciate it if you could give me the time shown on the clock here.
4:31:33
